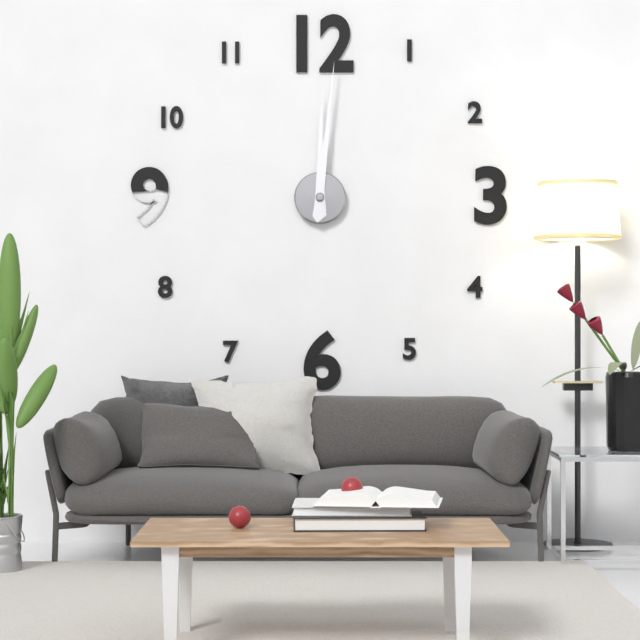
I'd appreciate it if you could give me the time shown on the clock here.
12:01
